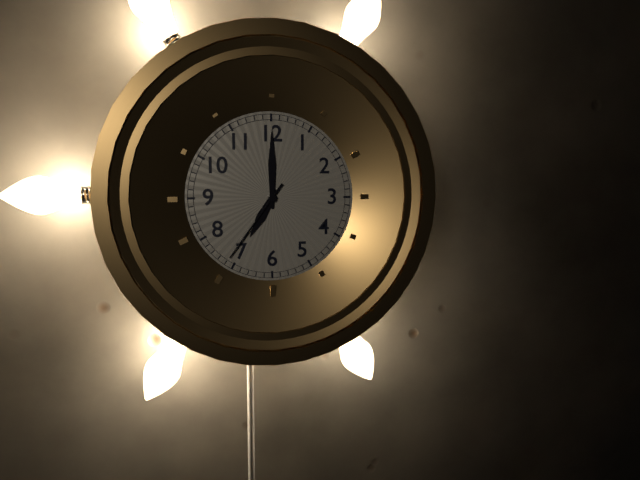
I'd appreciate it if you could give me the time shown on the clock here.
7:00:36
